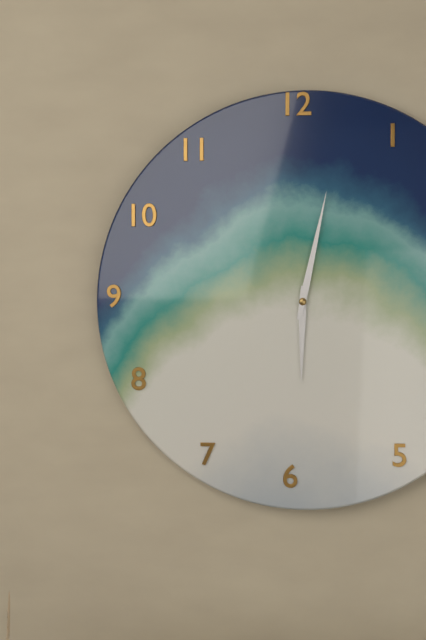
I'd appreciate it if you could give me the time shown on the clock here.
6:02
